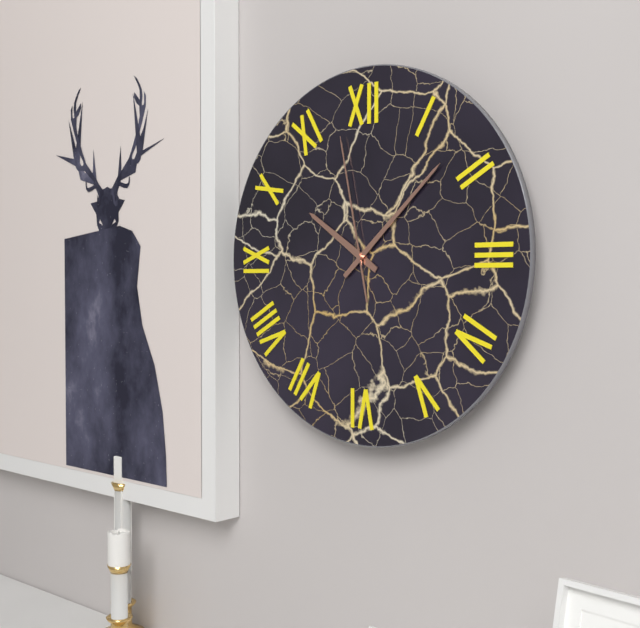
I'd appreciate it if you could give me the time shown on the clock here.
10:08:58
